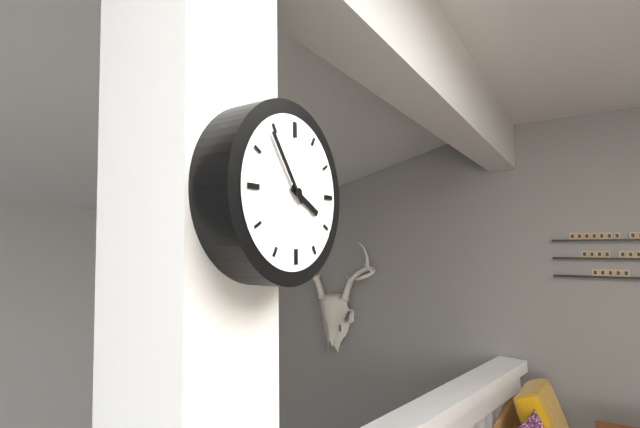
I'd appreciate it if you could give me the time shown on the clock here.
3:54
